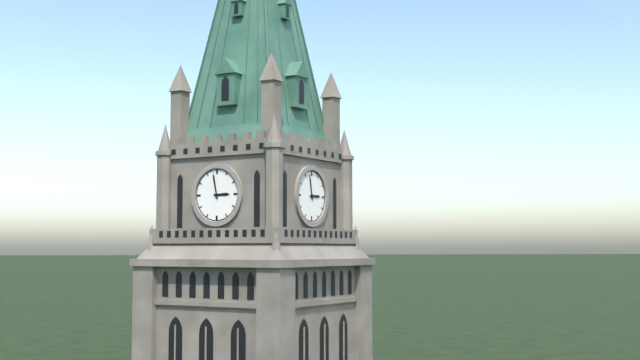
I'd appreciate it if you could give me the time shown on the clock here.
2:58
